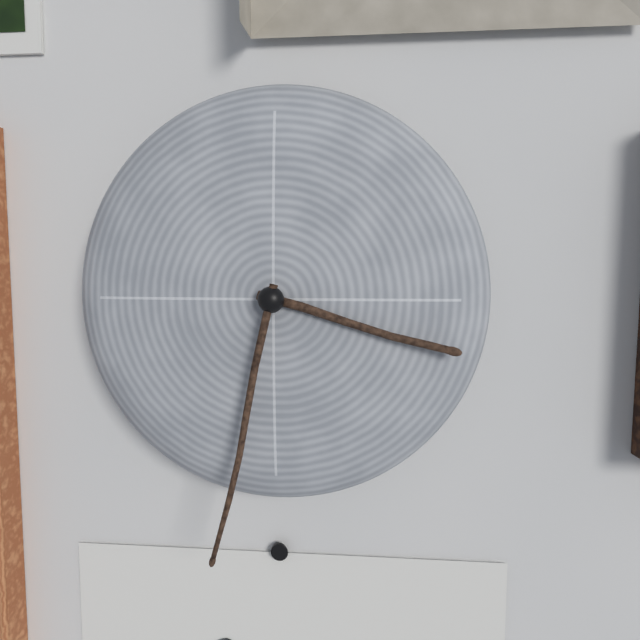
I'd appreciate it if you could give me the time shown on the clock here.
3:32
